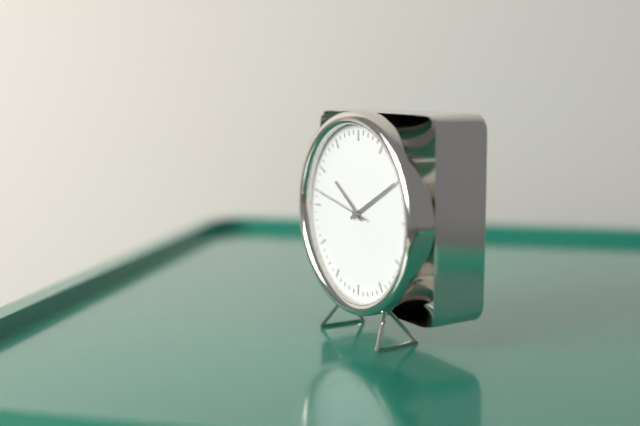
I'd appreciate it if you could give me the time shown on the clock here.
10:10:47
